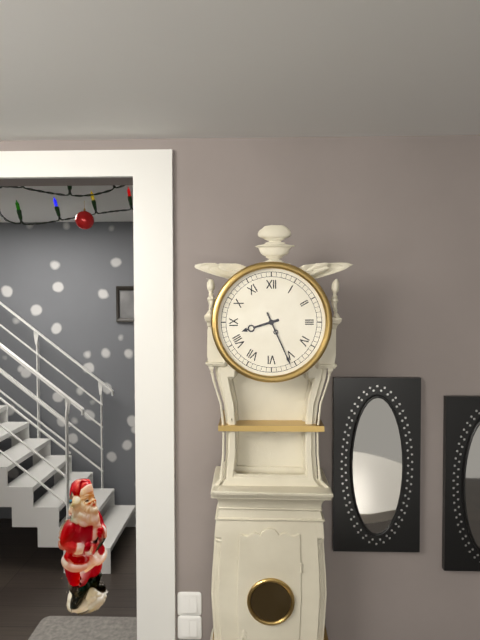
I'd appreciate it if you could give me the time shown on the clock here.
8:26
